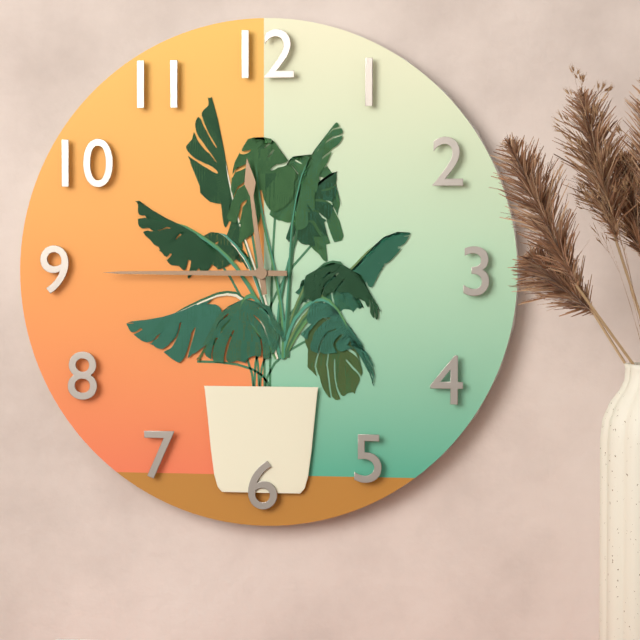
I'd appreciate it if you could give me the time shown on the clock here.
11:45
